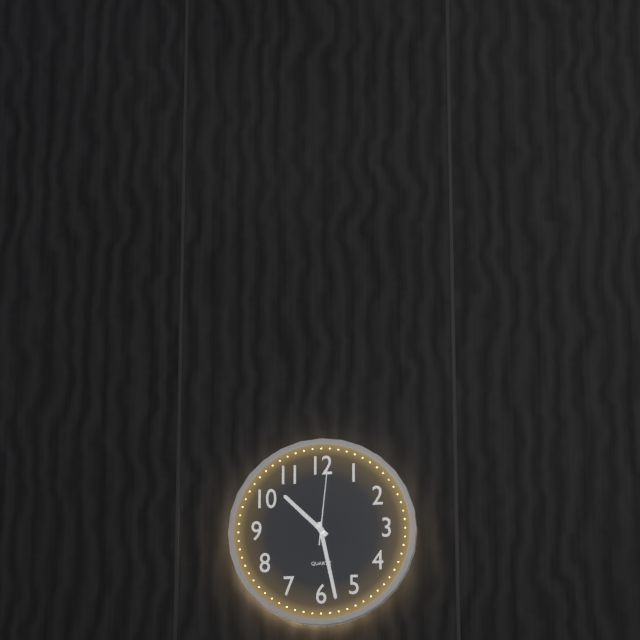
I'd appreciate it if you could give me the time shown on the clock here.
10:28:01
